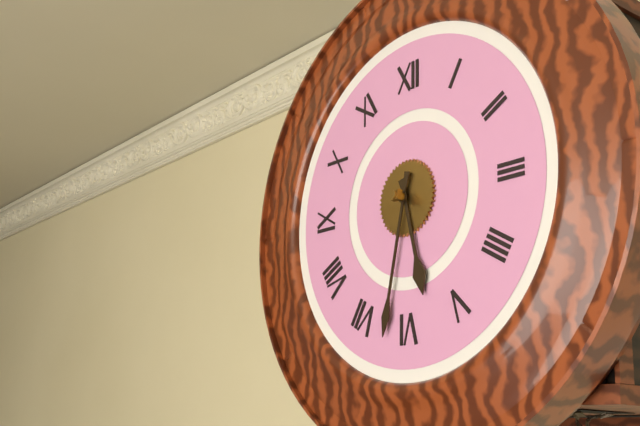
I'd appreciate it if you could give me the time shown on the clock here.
5:32
